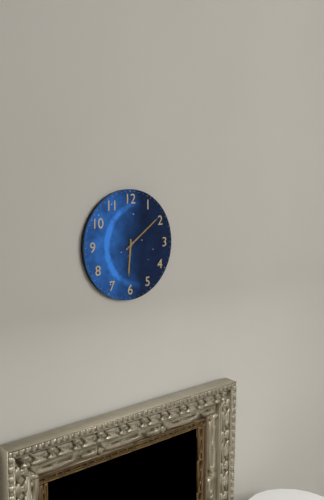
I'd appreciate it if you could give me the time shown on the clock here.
6:09
